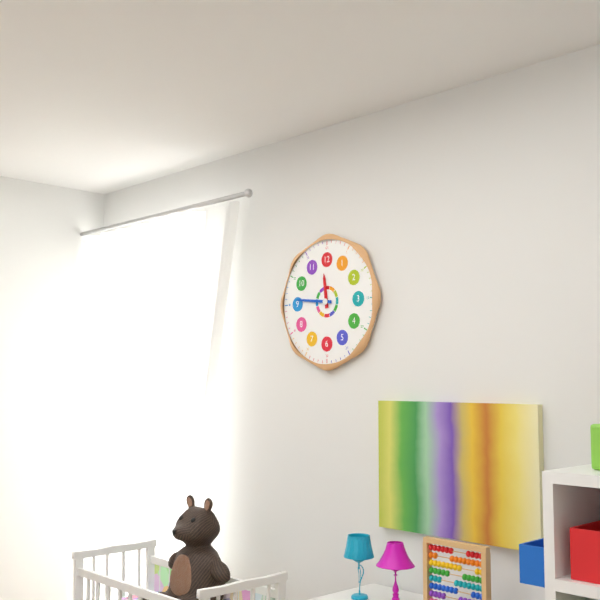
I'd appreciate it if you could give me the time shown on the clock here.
11:46
